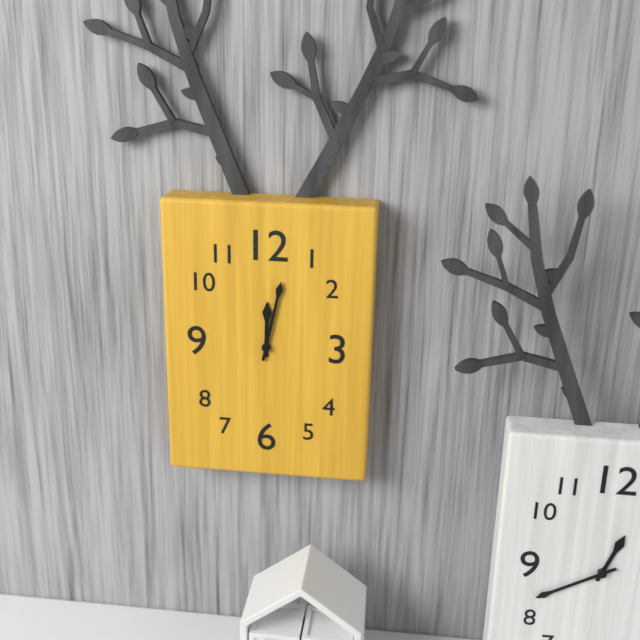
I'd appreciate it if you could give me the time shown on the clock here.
12:02
